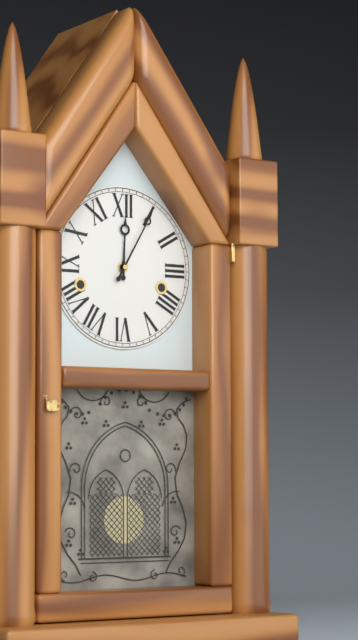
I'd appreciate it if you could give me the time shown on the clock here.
12:05
